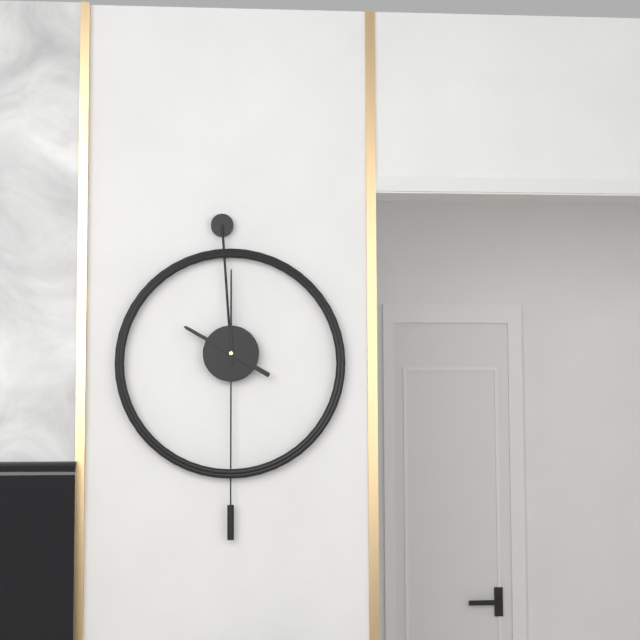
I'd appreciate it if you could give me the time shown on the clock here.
10:00
